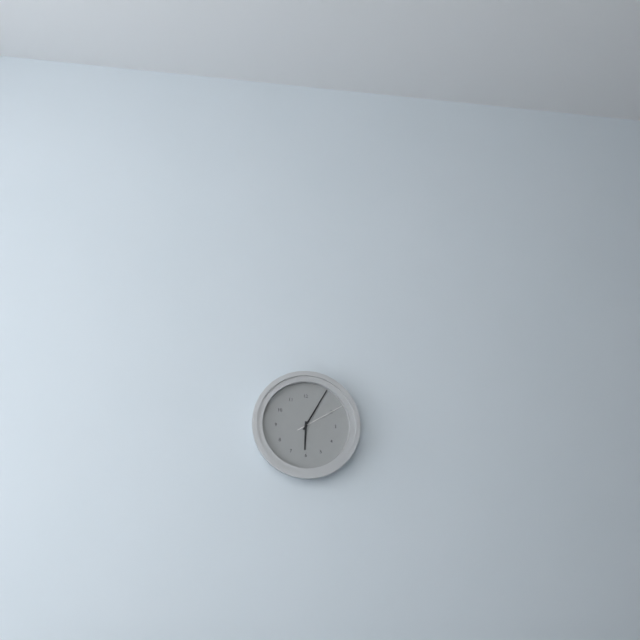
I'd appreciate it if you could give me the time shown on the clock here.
6:05:10
